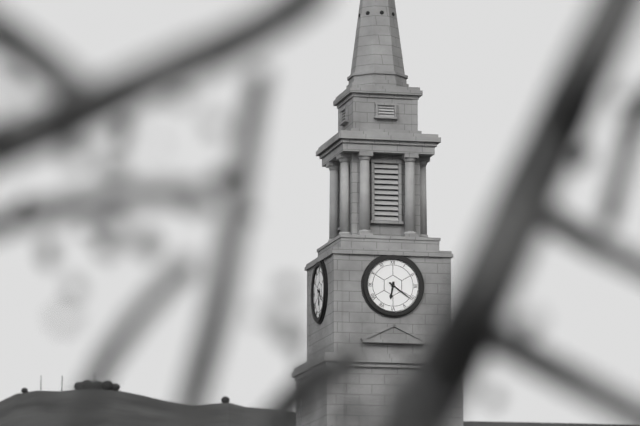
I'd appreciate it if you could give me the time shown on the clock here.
6:21
